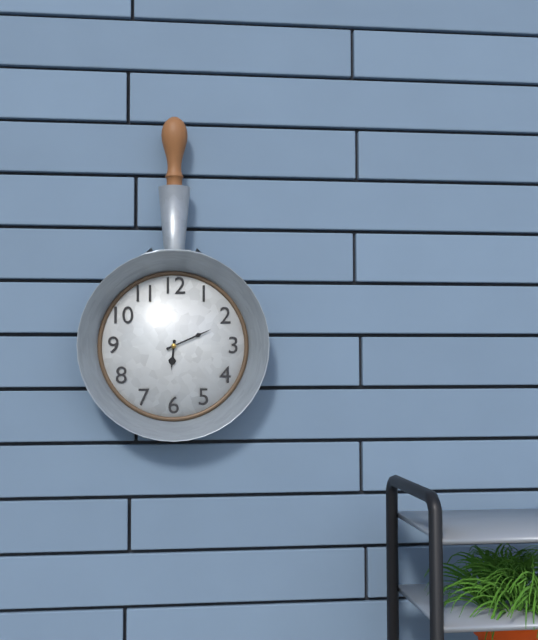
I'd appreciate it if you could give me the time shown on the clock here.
6:11
